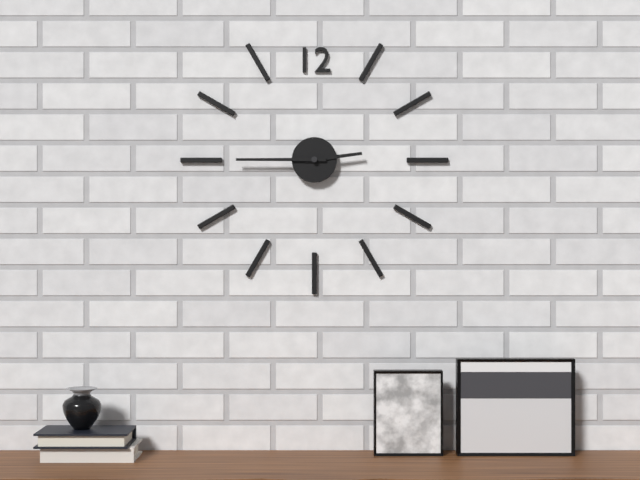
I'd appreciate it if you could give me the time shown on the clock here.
2:45
